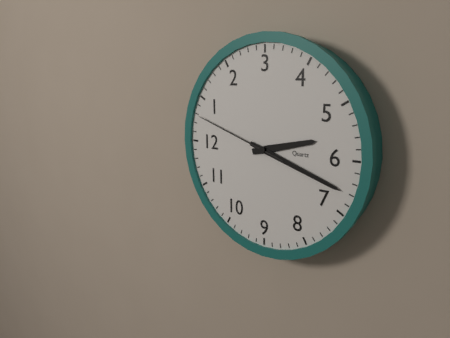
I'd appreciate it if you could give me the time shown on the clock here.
5:33:03
